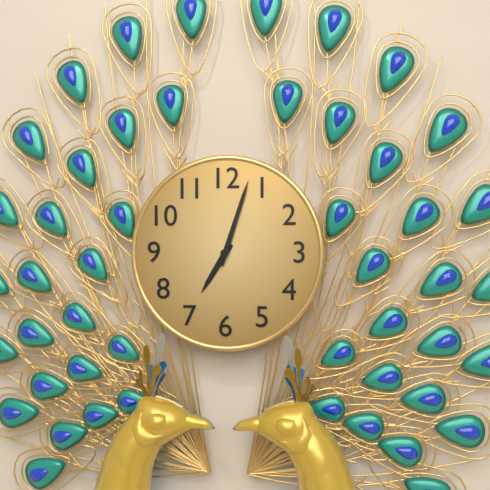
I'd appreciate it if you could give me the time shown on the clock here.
7:03
